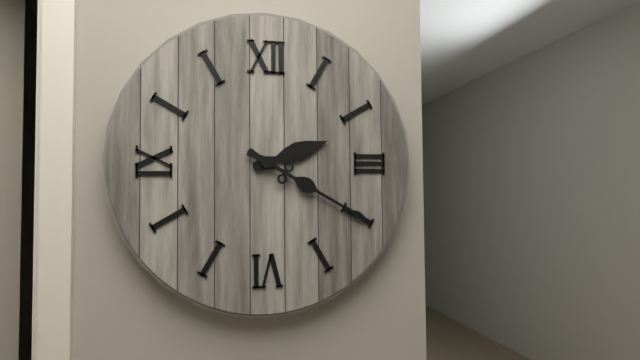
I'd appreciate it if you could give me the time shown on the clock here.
2:20
